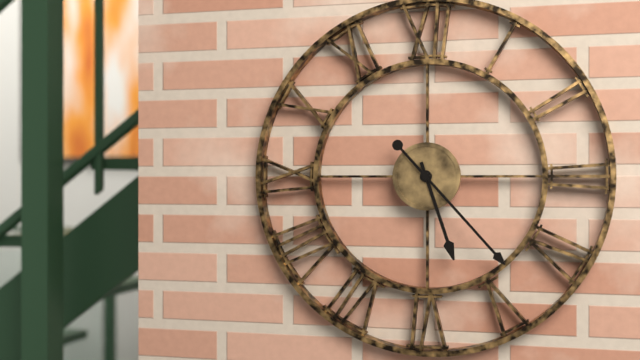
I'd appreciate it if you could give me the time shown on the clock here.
5:23
